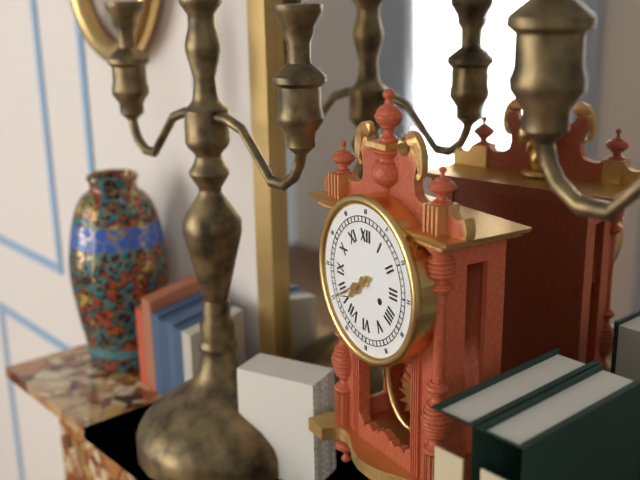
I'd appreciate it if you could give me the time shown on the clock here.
7:40
